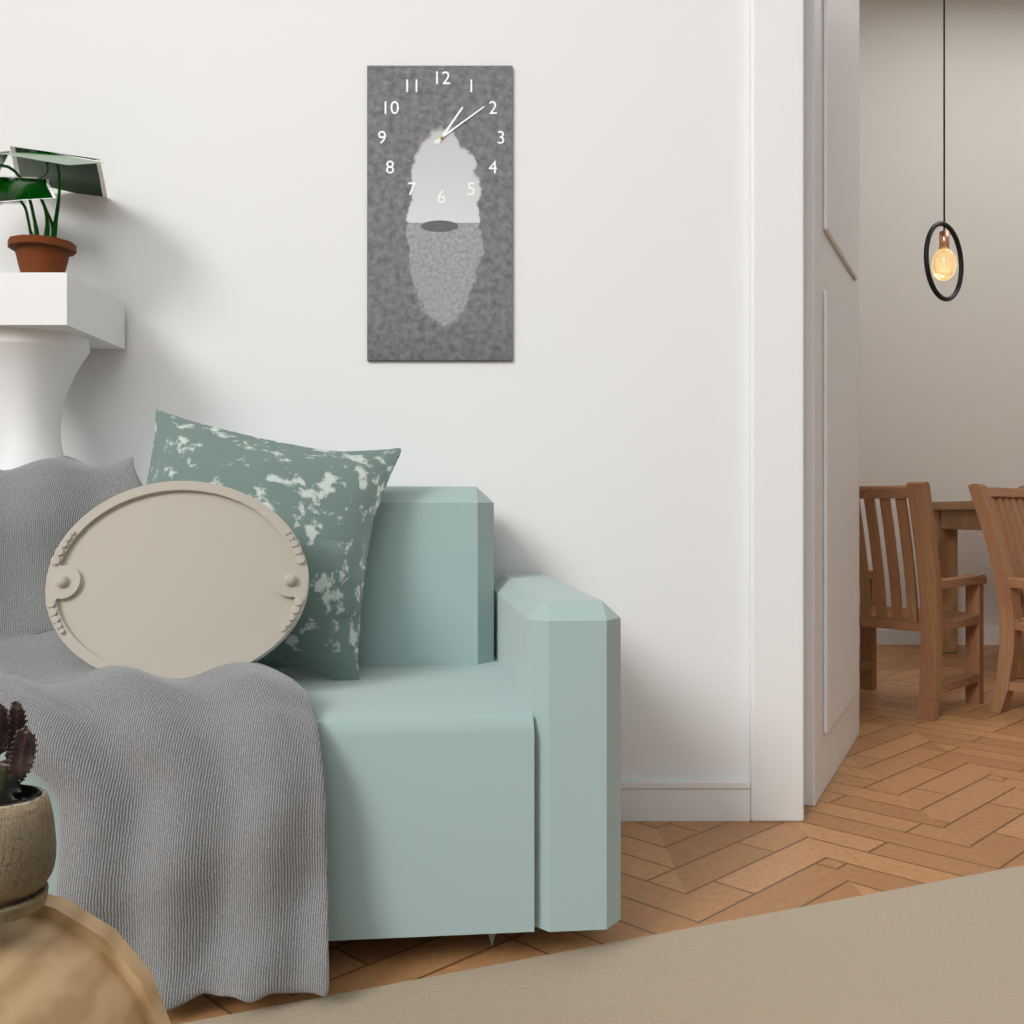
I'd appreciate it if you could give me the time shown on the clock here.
1:09
